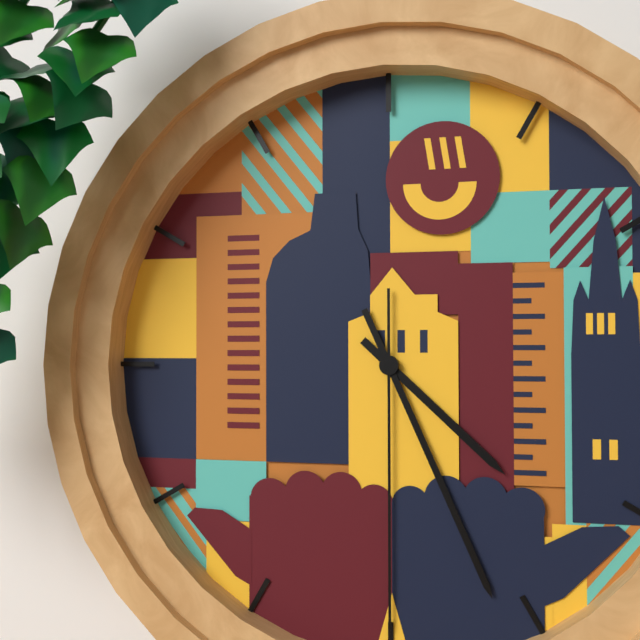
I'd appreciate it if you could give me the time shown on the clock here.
4:26:30
